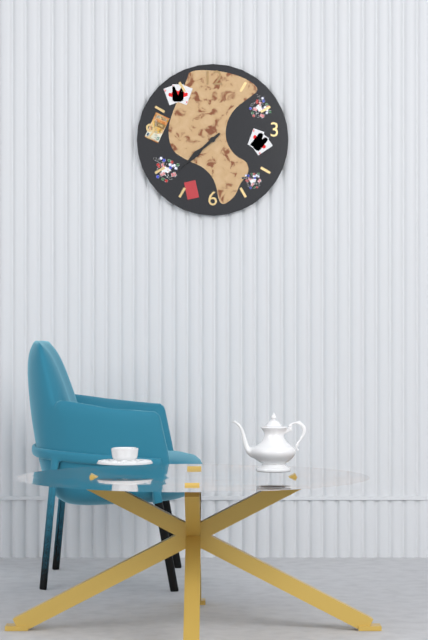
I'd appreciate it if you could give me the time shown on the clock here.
7:38
